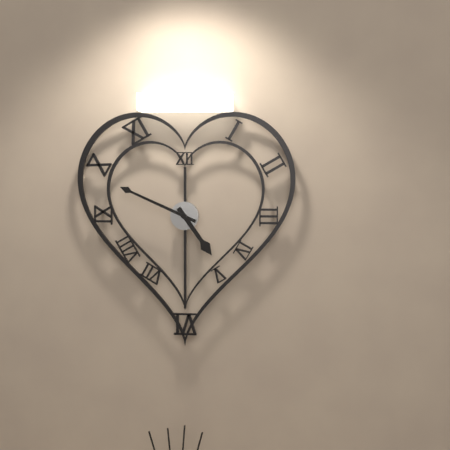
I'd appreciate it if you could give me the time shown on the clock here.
4:49
